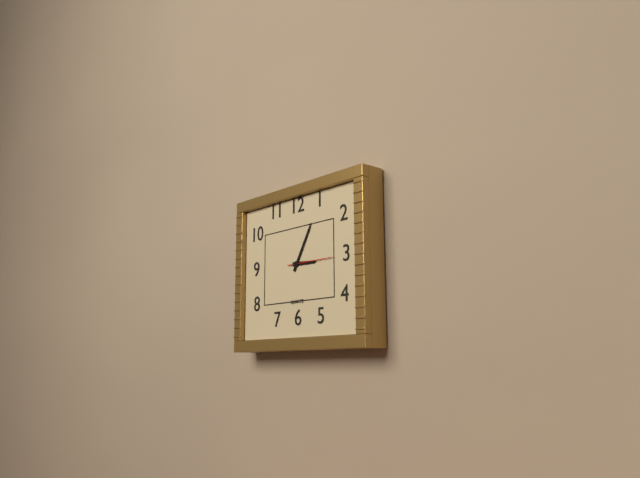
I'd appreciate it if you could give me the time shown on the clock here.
3:05
